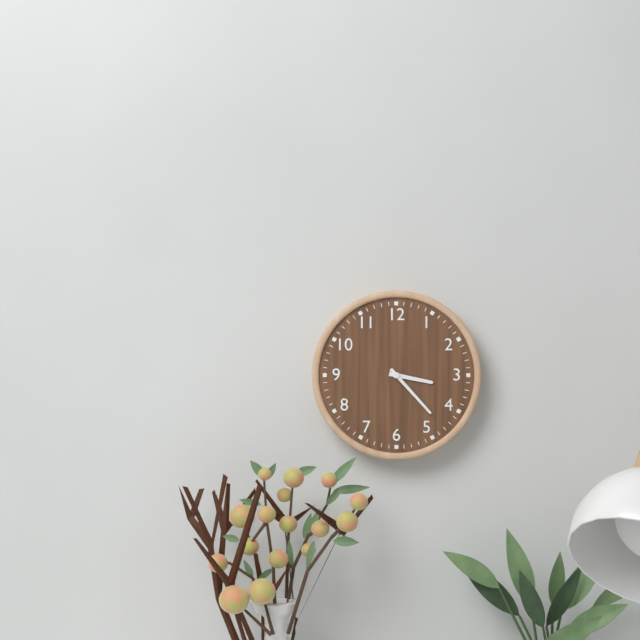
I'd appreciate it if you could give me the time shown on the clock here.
3:23
